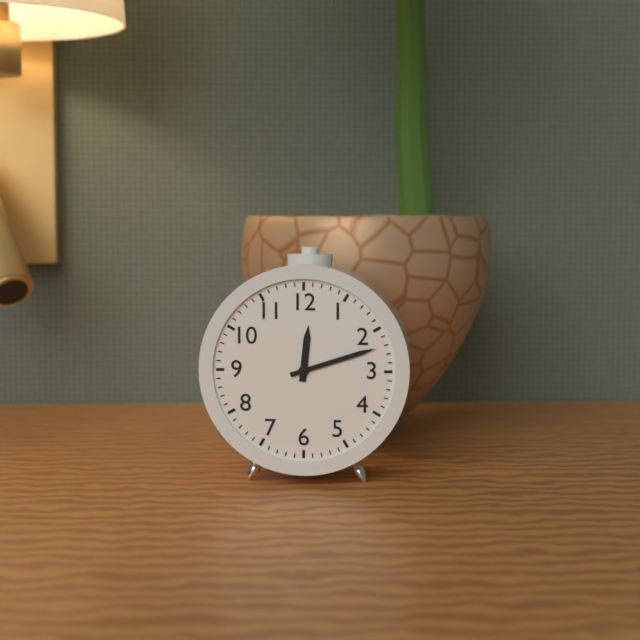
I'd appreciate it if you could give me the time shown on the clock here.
12:12
